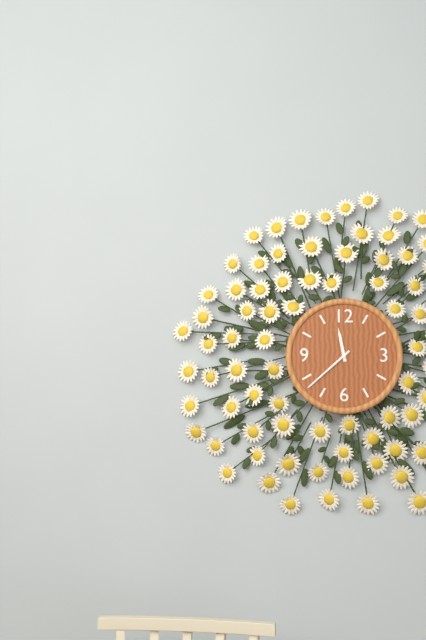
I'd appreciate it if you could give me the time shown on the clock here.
11:38
